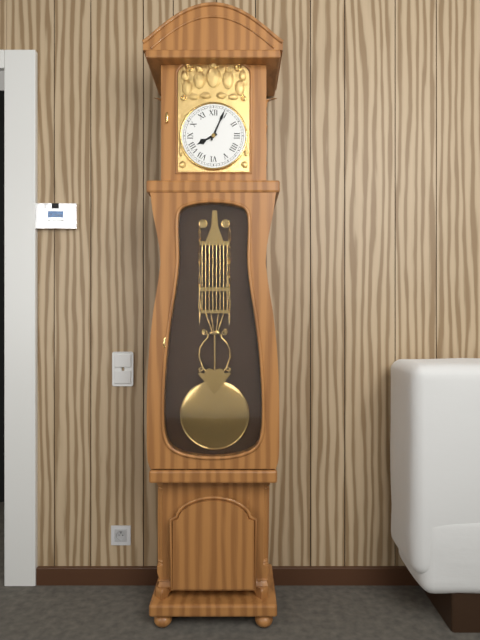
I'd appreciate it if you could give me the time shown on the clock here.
8:04
